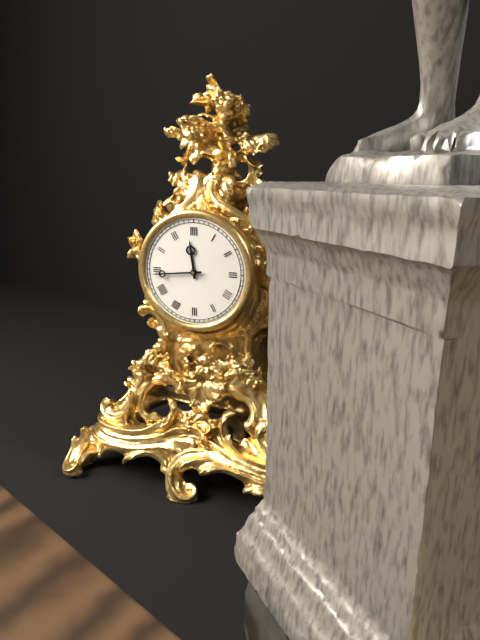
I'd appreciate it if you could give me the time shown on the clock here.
11:44
